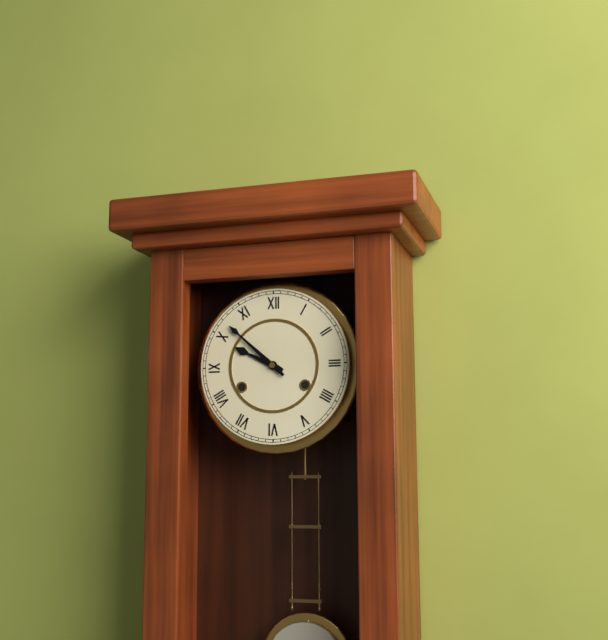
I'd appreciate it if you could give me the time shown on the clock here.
9:52
